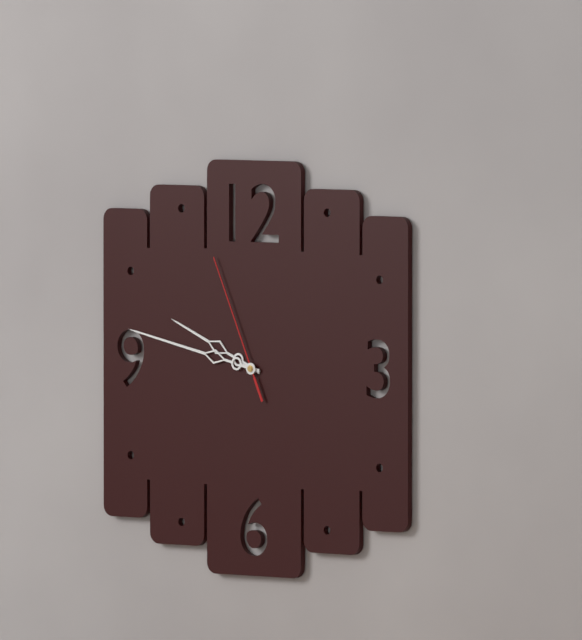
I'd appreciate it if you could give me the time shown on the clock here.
9:47:56
